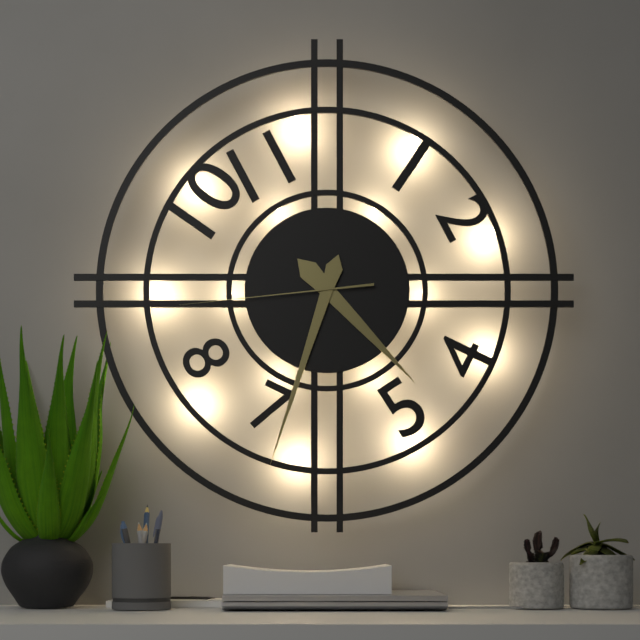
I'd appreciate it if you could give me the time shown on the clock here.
4:33:44
